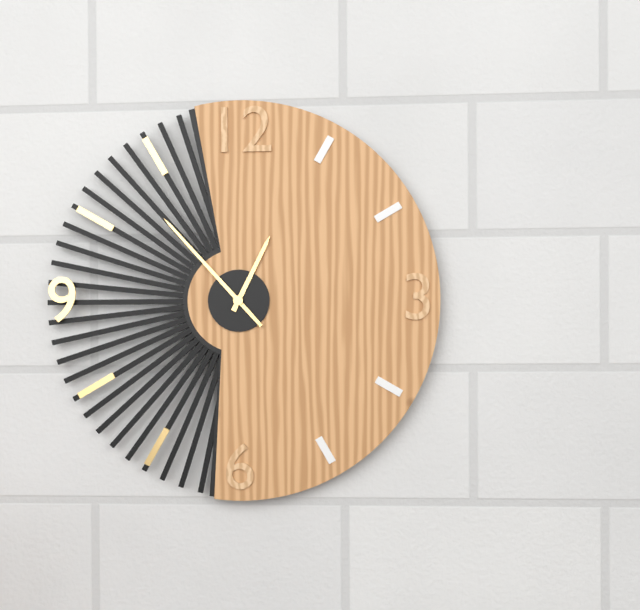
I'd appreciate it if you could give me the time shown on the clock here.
12:53
